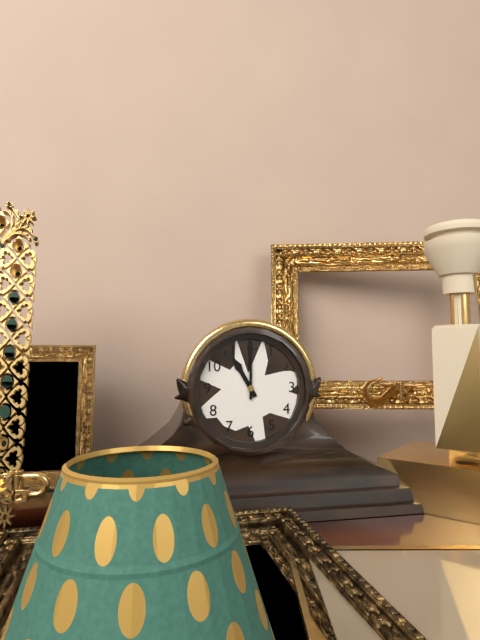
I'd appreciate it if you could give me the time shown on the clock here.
11:00
